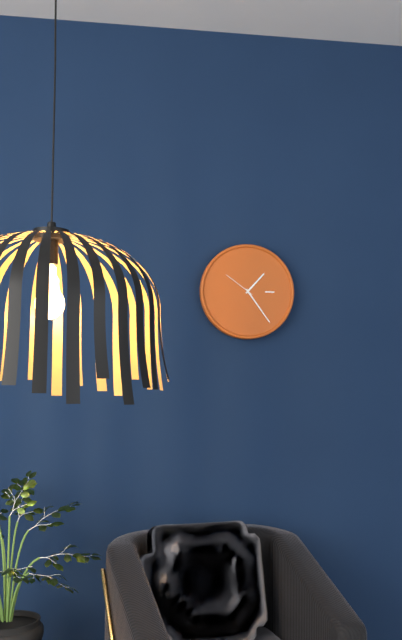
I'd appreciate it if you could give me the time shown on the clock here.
1:24
